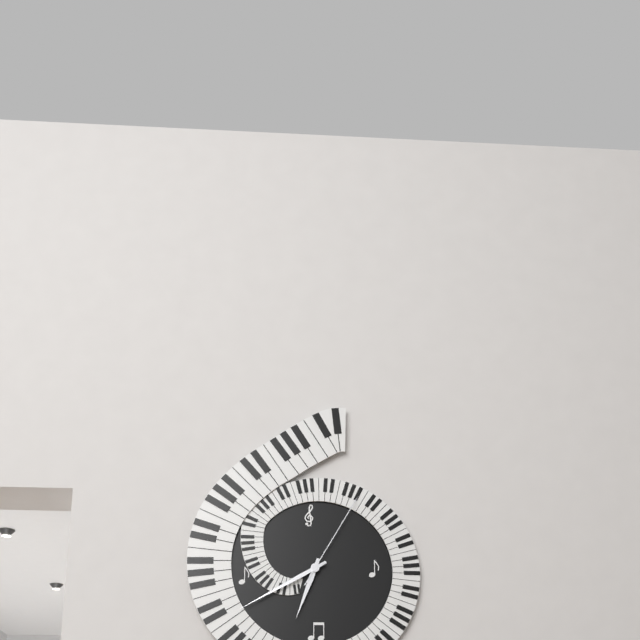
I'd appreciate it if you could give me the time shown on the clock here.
6:40:05
